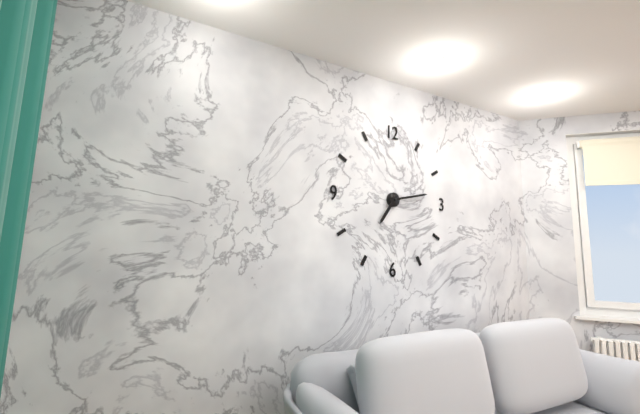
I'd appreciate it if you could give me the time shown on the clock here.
7:13
